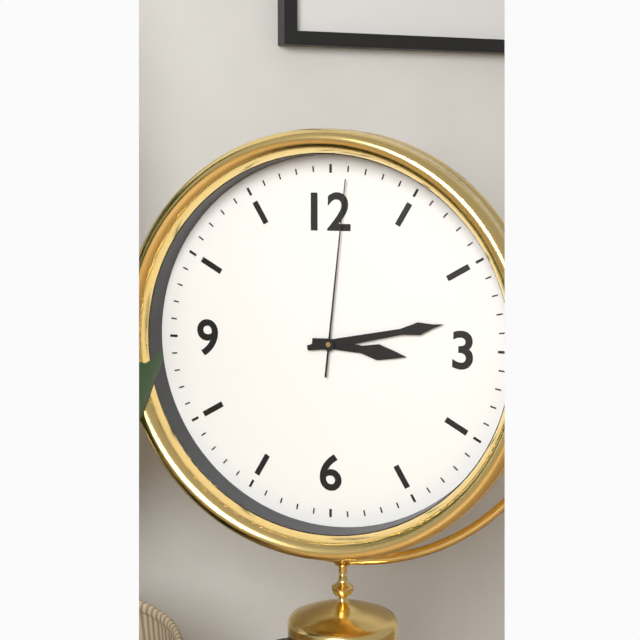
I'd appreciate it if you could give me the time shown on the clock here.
3:13:01
